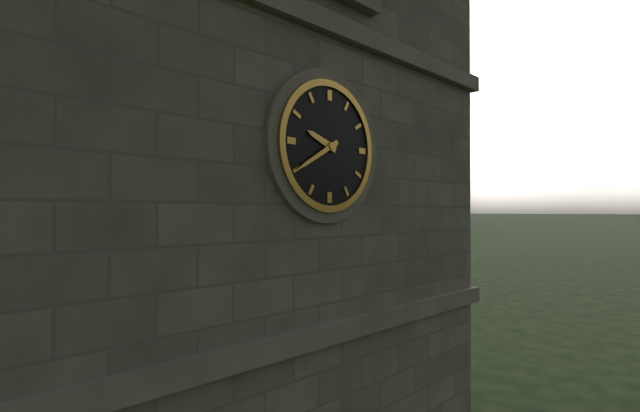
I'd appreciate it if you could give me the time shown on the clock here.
9:40
